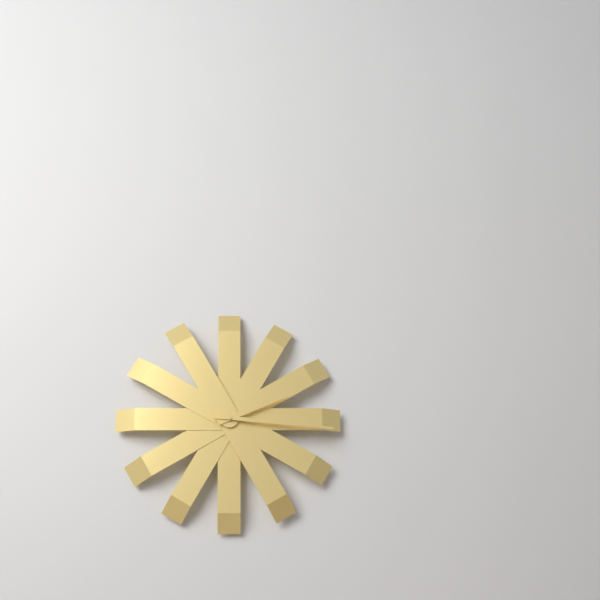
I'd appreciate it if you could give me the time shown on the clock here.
2:16
